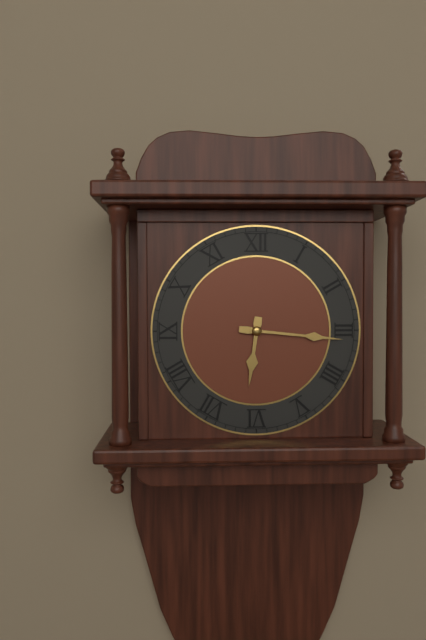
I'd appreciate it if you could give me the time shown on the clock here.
6:16
